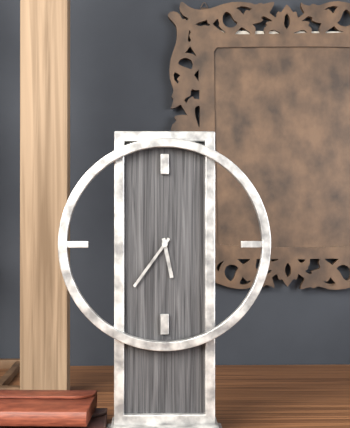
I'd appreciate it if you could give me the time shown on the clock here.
5:36
